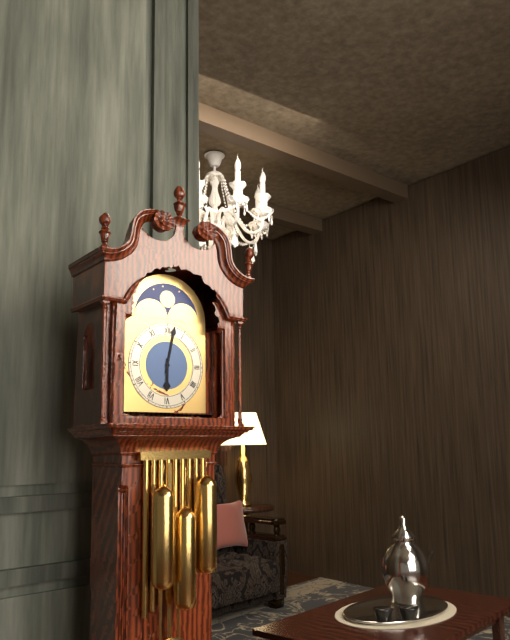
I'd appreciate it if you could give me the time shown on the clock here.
6:02
